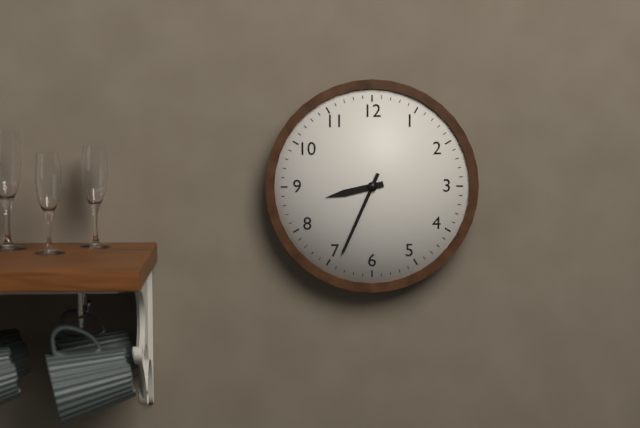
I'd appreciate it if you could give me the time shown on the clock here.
8:34
